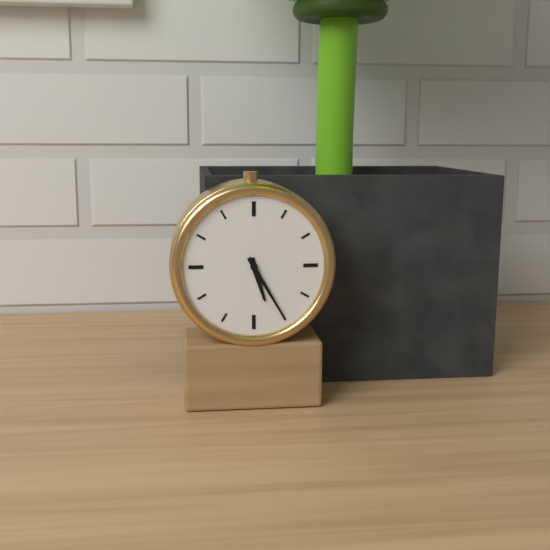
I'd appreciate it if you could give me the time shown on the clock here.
5:25
